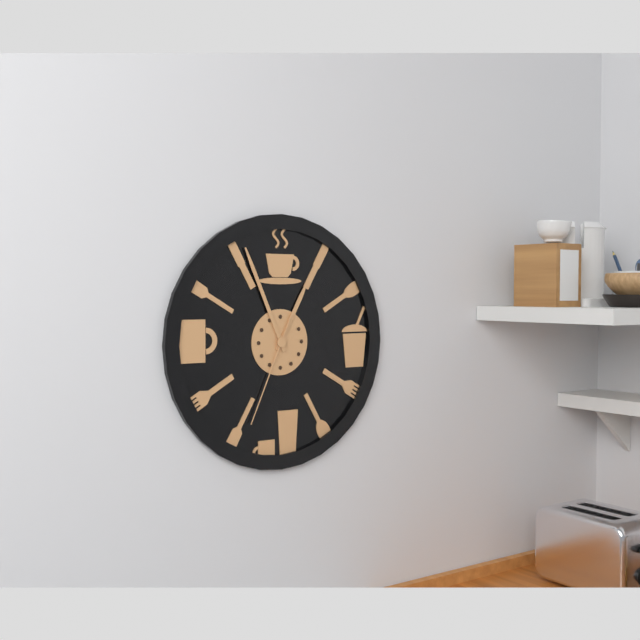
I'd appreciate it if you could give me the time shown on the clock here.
12:56:34
